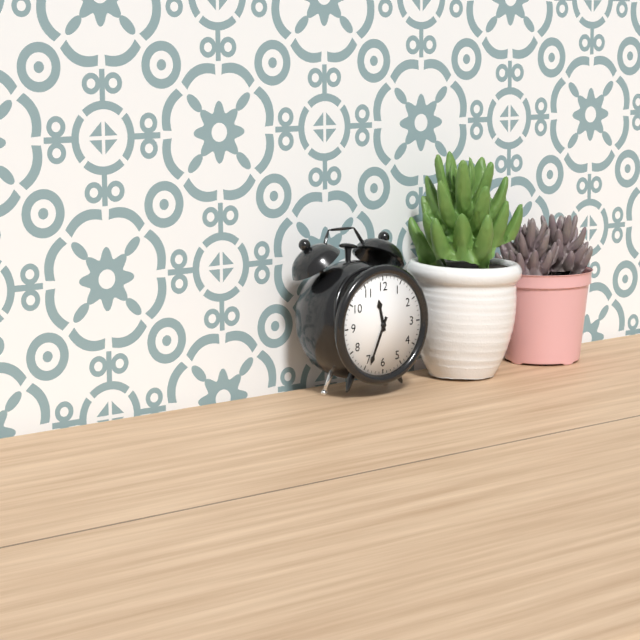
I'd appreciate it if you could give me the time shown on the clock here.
11:34
